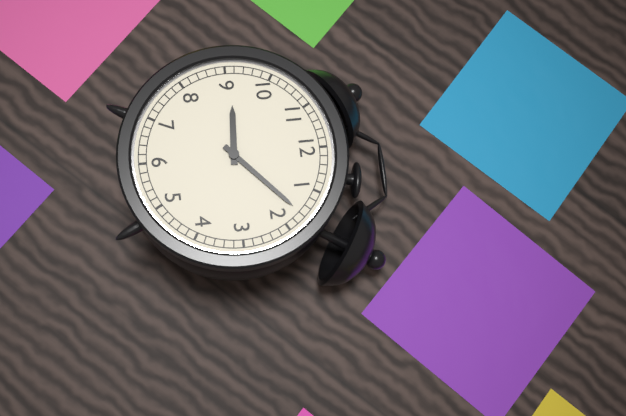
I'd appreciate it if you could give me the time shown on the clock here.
9:08
